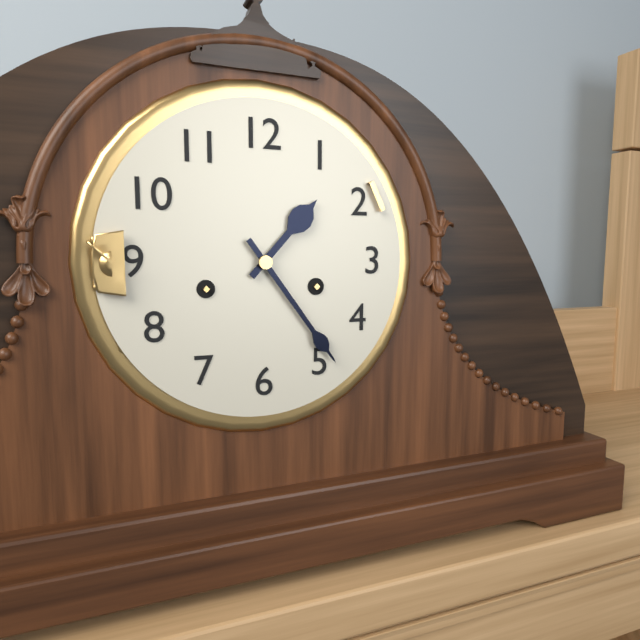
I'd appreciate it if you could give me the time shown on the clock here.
1:24
